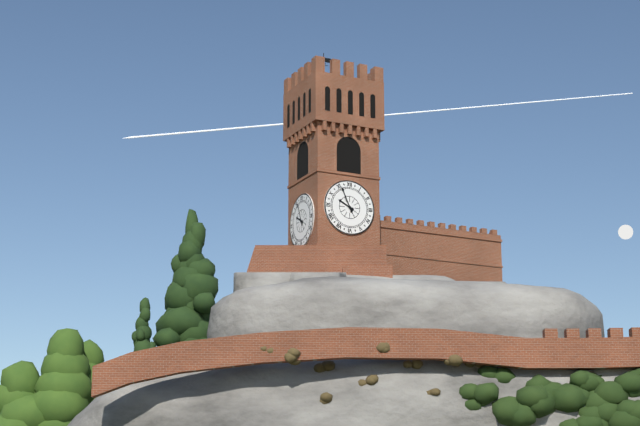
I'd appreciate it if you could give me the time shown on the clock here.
9:56
